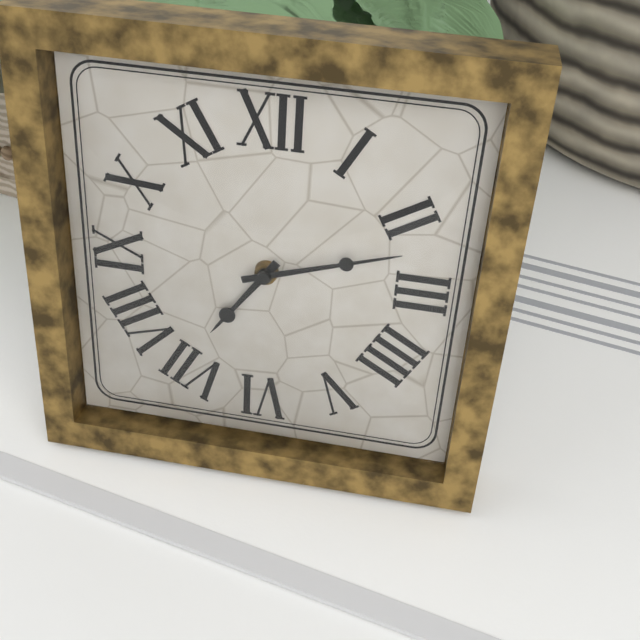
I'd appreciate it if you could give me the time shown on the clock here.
7:12
